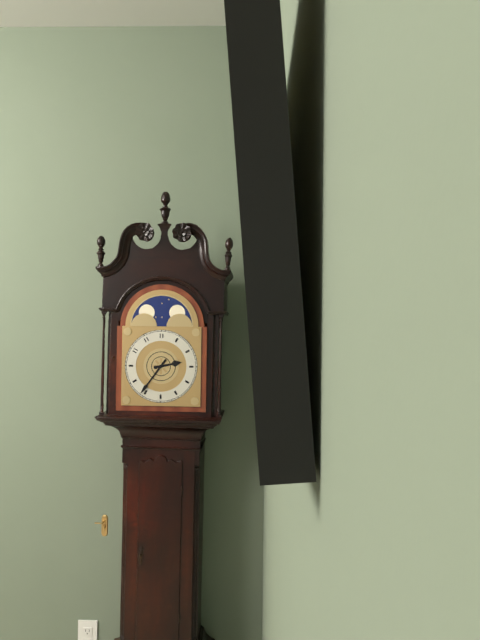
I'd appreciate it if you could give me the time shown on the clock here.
2:36
